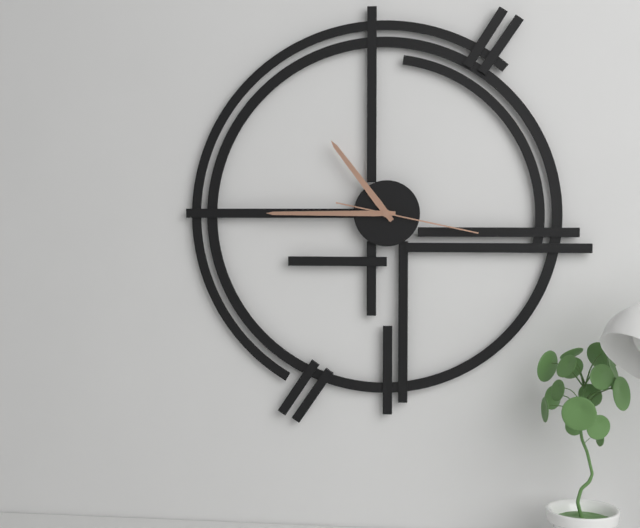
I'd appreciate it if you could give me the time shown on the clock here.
10:45:17
